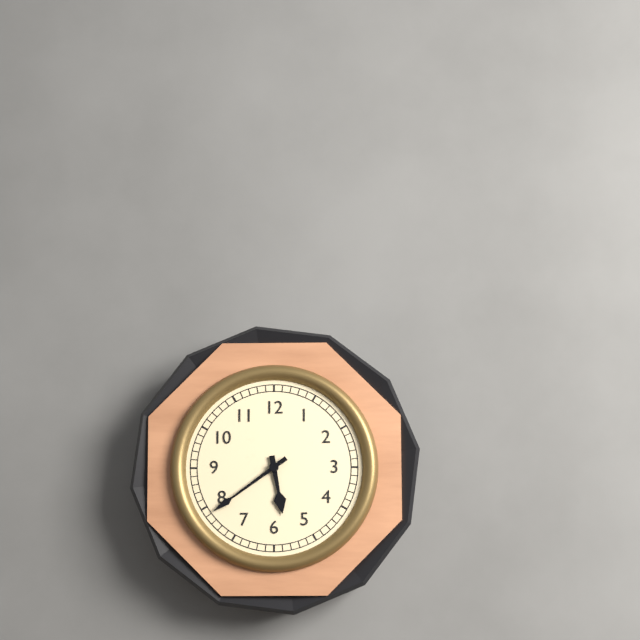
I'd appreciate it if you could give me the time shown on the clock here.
5:39
